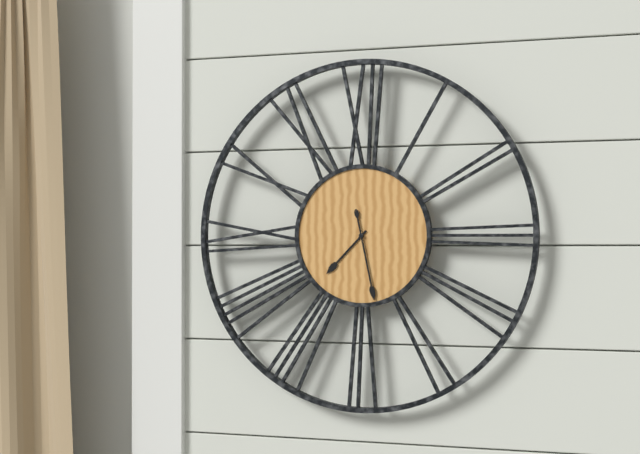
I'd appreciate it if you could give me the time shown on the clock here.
7:28
